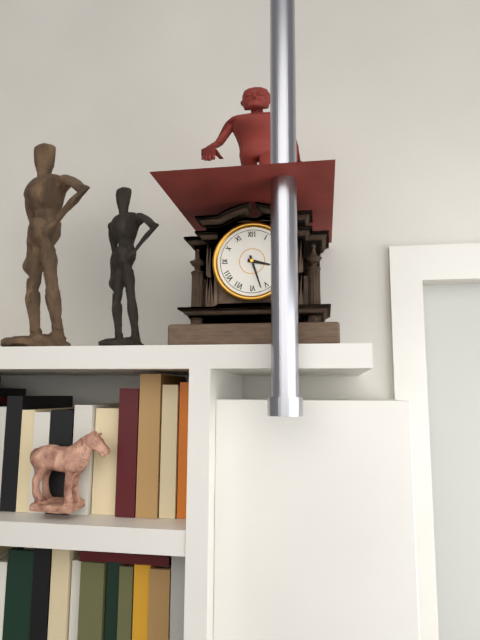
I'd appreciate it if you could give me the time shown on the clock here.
3:27
